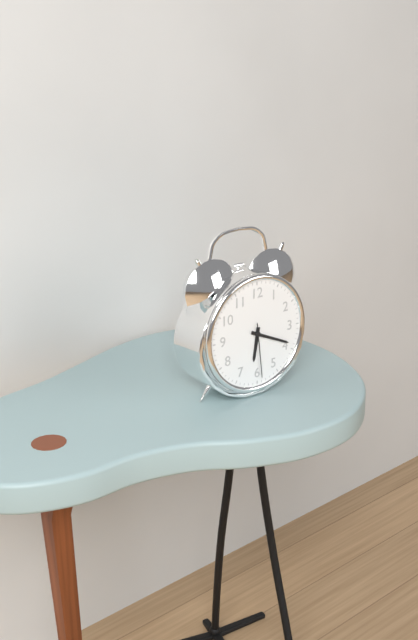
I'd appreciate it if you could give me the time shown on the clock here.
6:19:29
